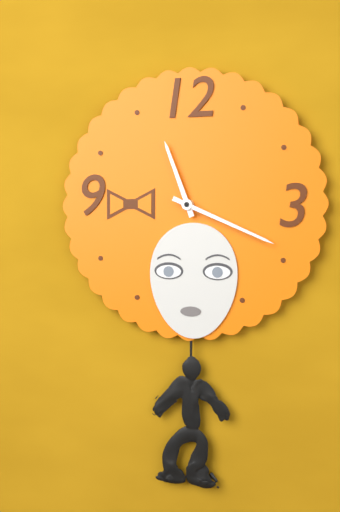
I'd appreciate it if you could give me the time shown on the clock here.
11:19
